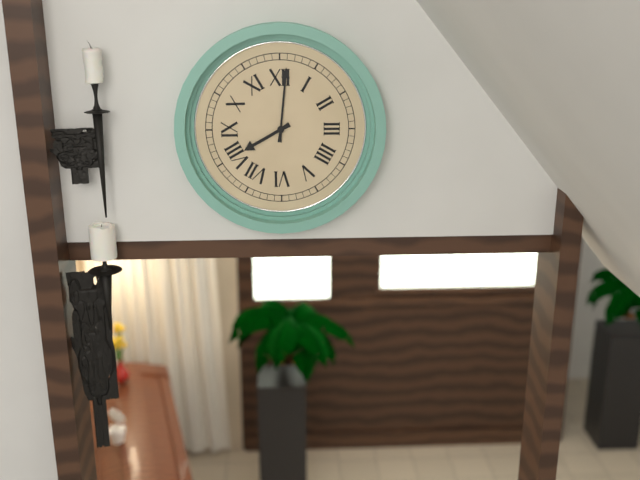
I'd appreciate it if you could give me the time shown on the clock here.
8:01
